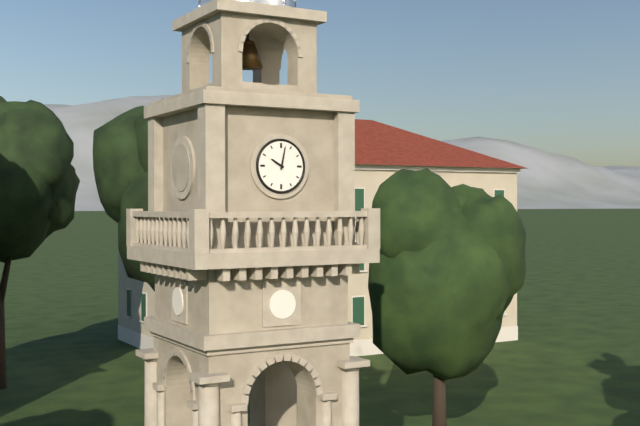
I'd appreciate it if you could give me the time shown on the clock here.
10:02
